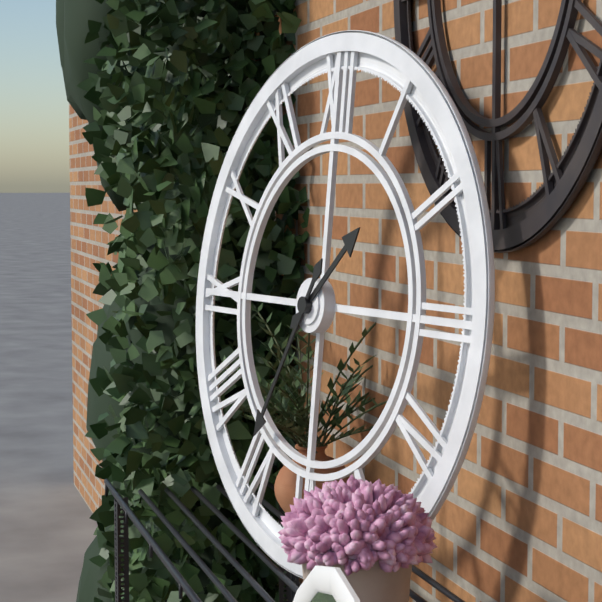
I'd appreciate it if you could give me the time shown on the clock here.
1:35
